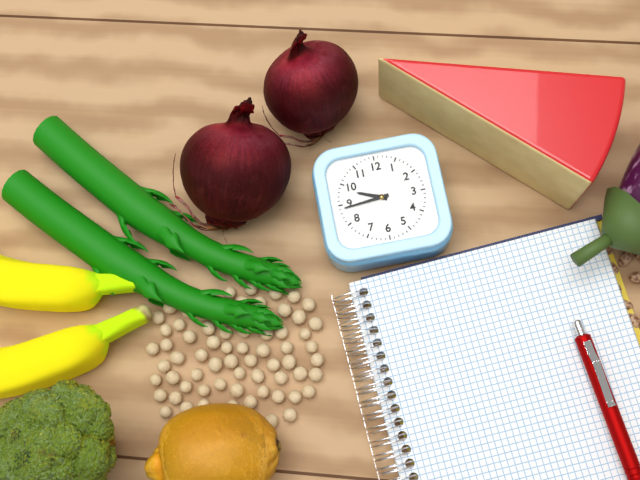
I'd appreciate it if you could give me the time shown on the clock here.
9:44
